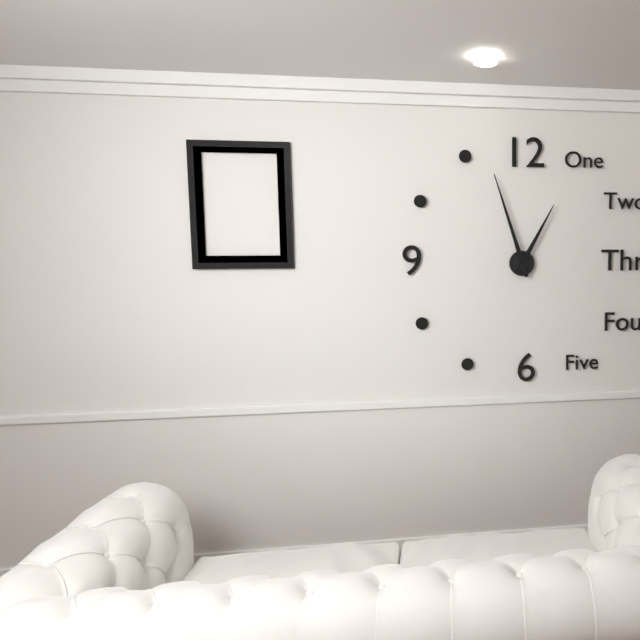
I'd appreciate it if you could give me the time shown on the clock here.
12:57
